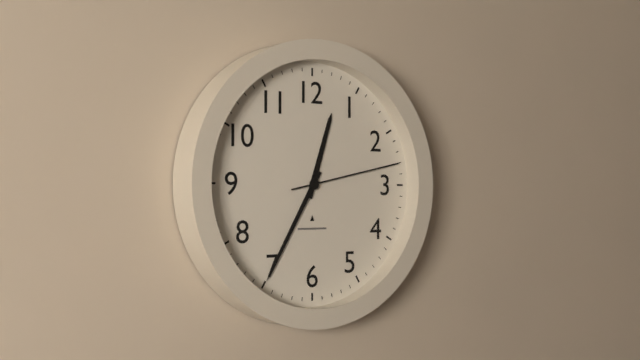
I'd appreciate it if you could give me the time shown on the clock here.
12:35:13
